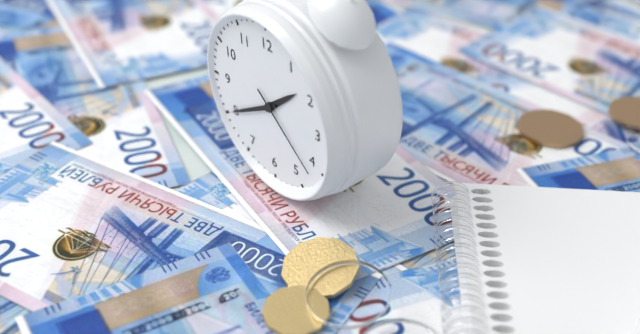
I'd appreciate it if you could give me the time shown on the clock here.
1:40:22
